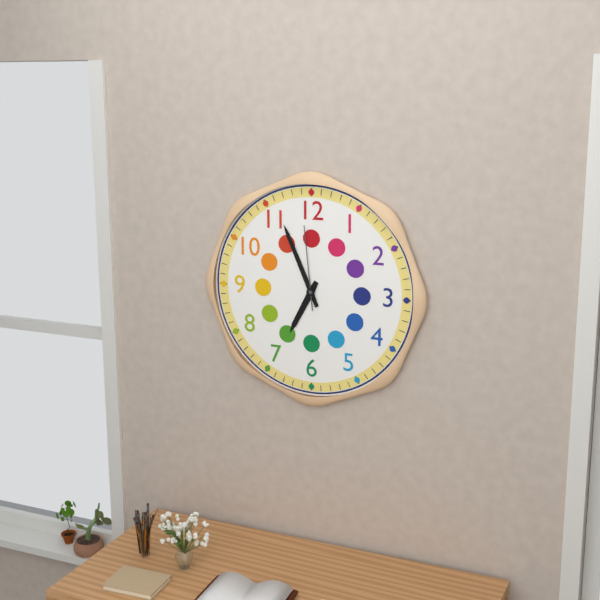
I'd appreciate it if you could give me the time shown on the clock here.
6:56:59
